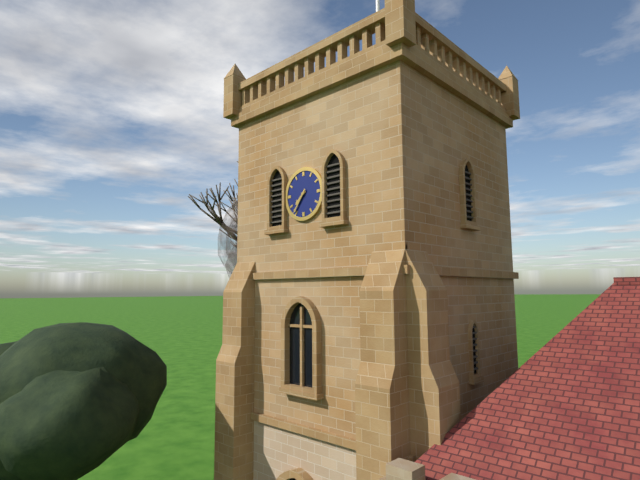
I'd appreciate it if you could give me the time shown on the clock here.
7:36
